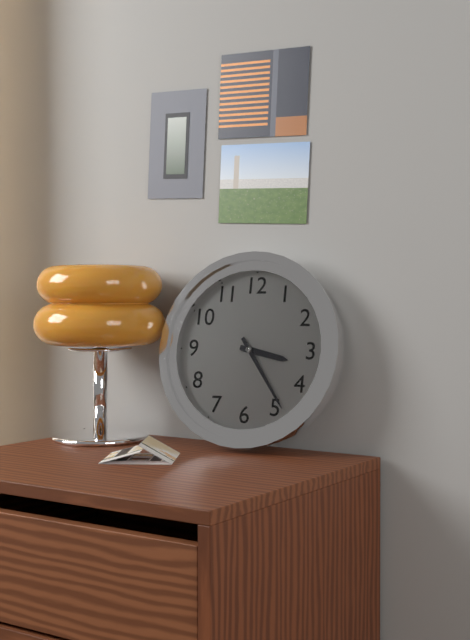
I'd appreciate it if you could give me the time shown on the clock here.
3:24
